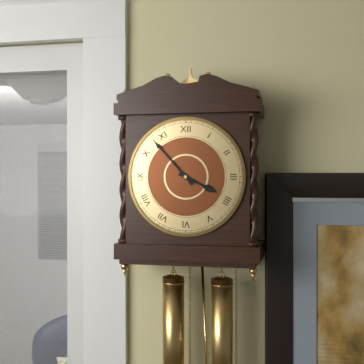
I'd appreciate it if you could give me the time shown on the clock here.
3:53
